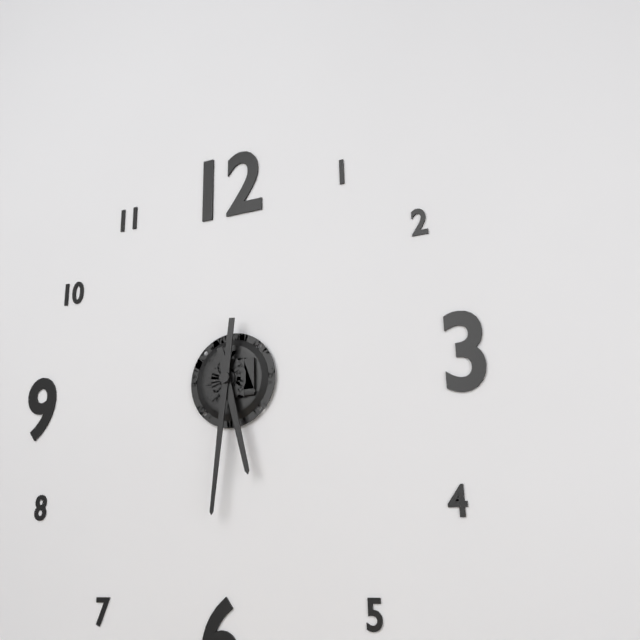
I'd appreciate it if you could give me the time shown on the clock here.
5:31
